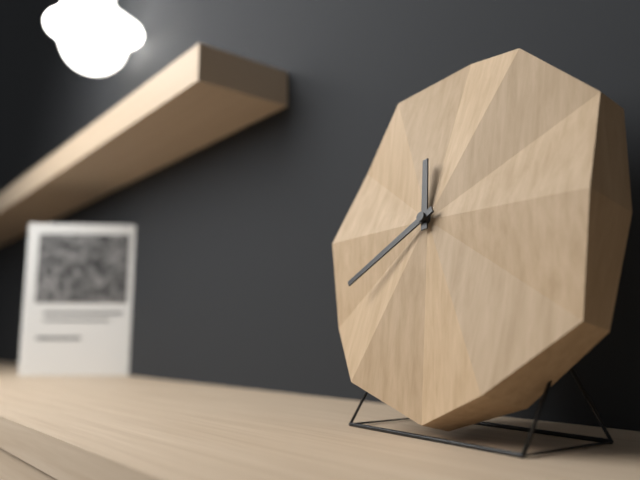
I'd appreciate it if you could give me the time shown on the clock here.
11:40
